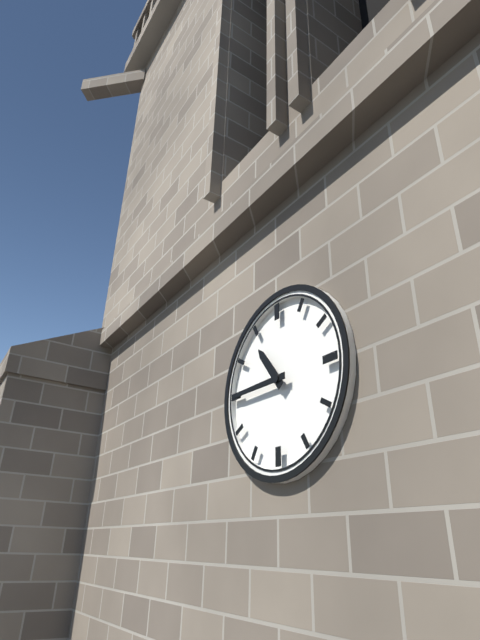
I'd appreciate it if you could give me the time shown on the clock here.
10:45
